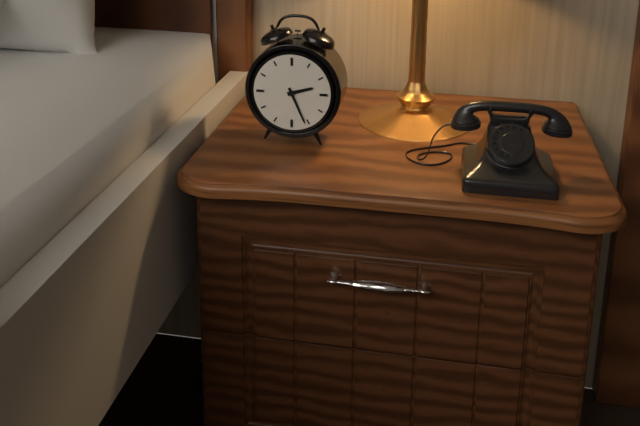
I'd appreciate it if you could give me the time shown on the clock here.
2:26
